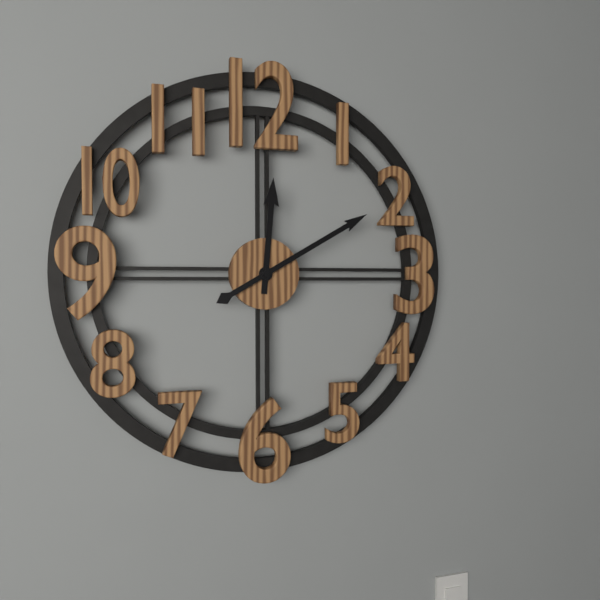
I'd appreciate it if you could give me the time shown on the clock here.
12:10
